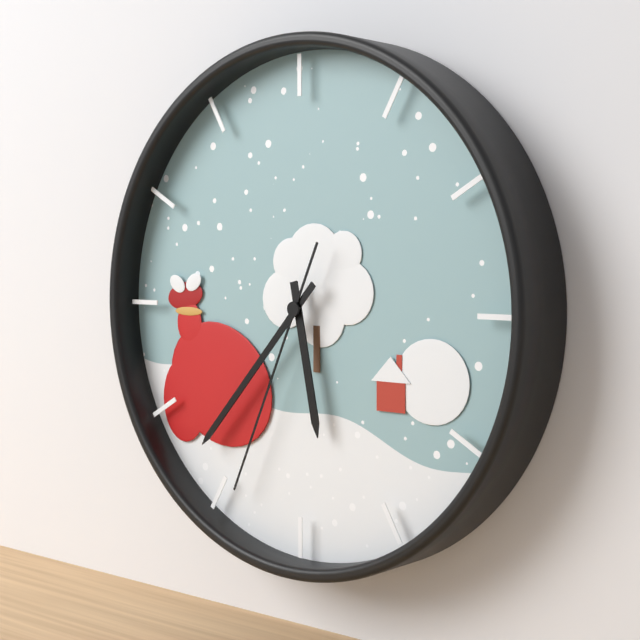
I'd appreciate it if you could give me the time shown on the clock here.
5:37:34
